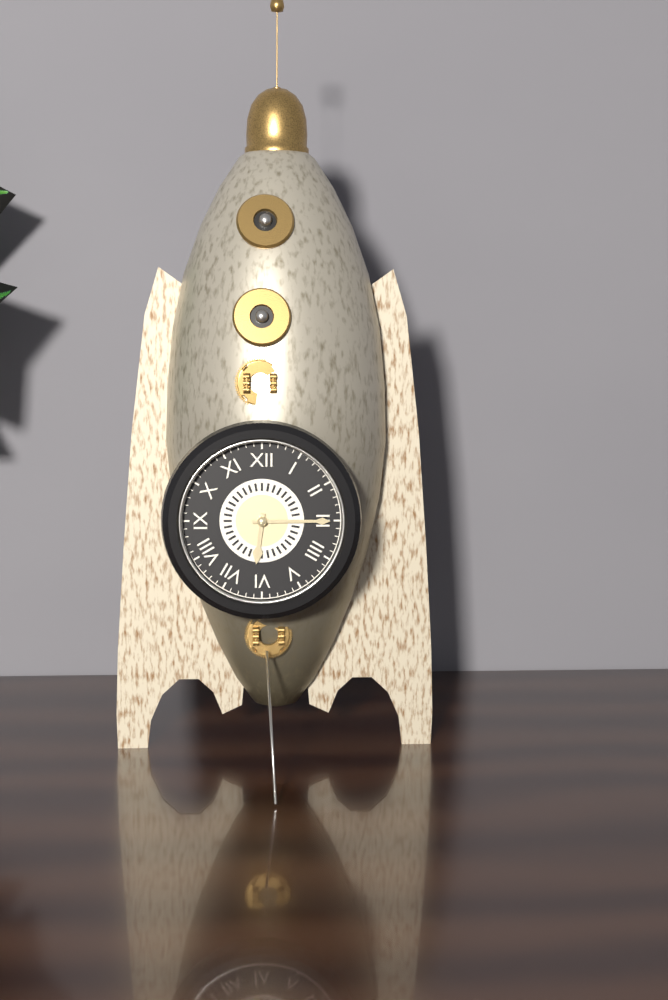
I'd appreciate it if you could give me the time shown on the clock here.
6:15
